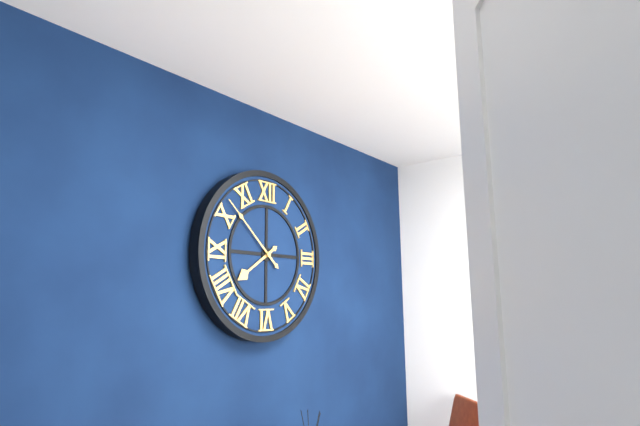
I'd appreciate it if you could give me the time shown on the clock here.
7:52
